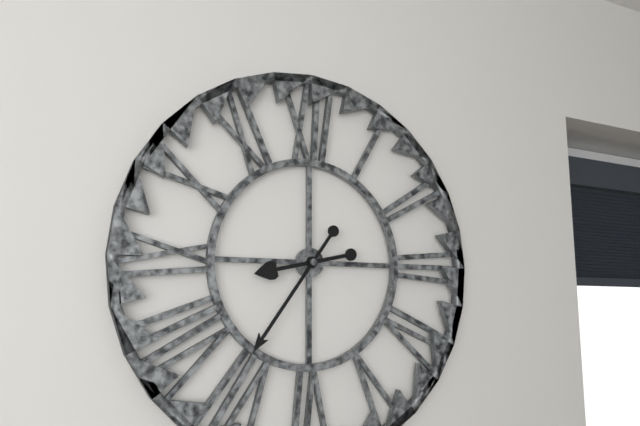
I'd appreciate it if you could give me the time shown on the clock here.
8:36
